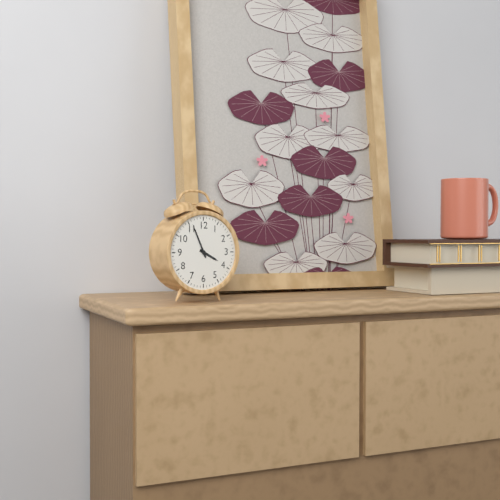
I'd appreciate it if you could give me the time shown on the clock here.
3:56
